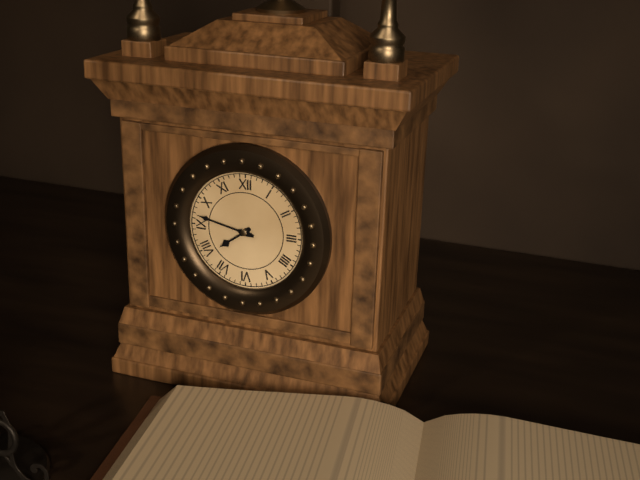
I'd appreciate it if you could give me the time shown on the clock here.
7:47
